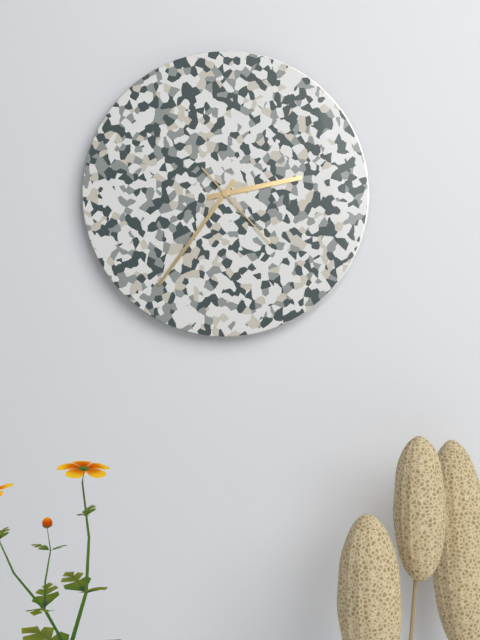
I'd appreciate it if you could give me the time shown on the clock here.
2:36:23
